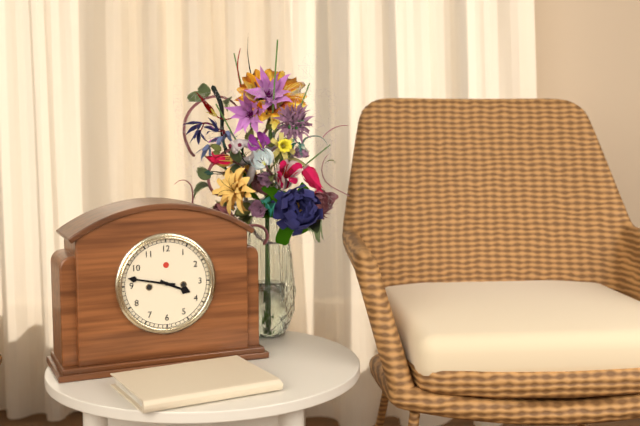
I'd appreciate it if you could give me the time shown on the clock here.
3:47
